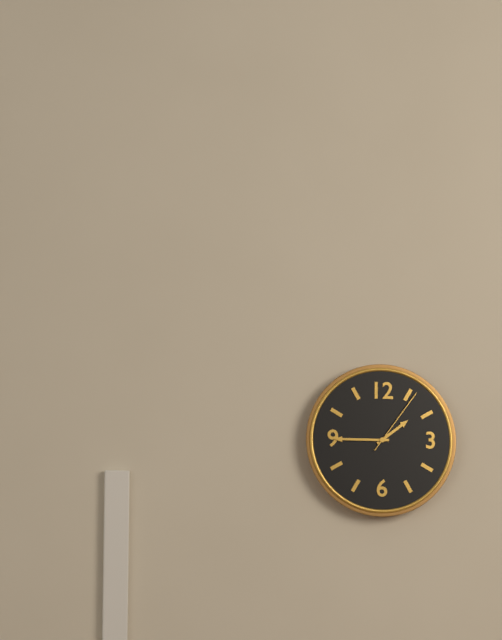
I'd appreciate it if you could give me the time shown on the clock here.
1:45:06
